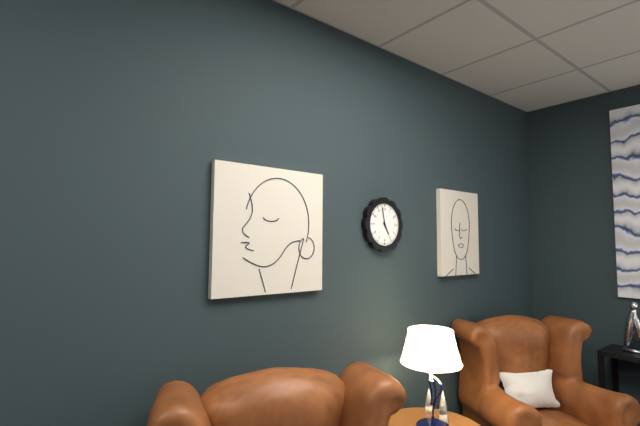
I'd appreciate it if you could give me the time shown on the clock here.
4:58
